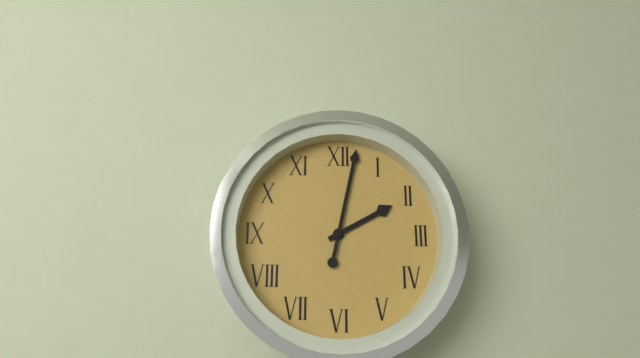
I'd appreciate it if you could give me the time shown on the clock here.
2:02
